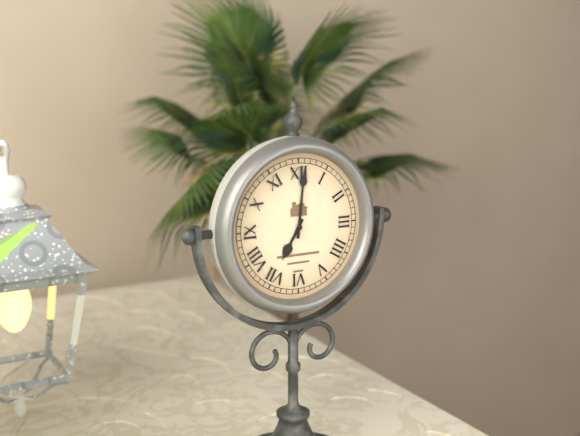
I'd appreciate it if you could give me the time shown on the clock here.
7:01
